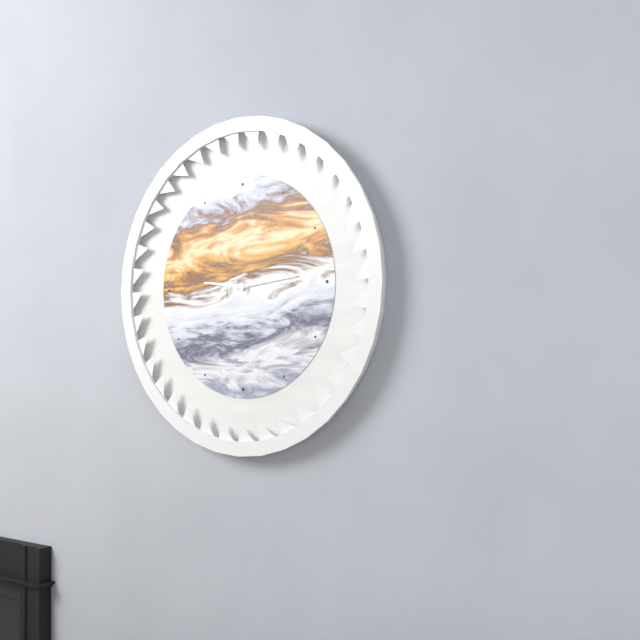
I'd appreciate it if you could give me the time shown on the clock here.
9:14
